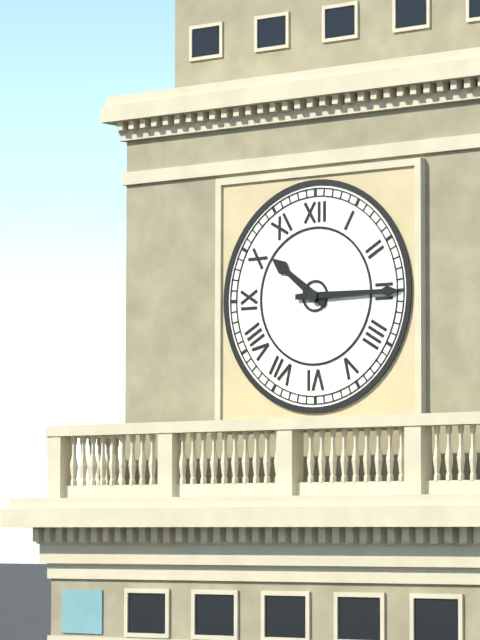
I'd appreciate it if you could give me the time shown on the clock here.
10:15
